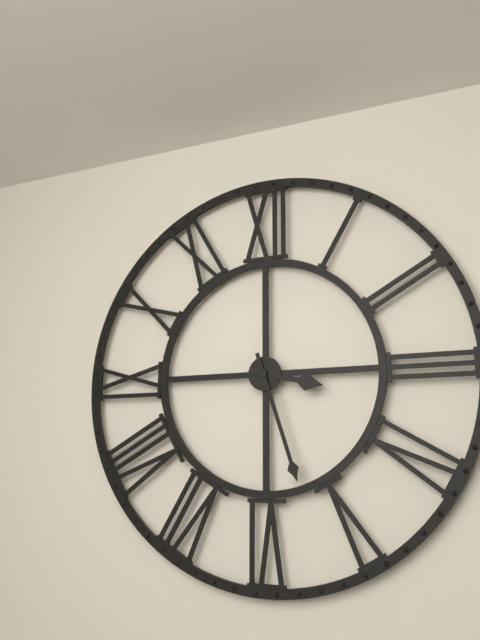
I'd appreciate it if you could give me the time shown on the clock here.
3:27
